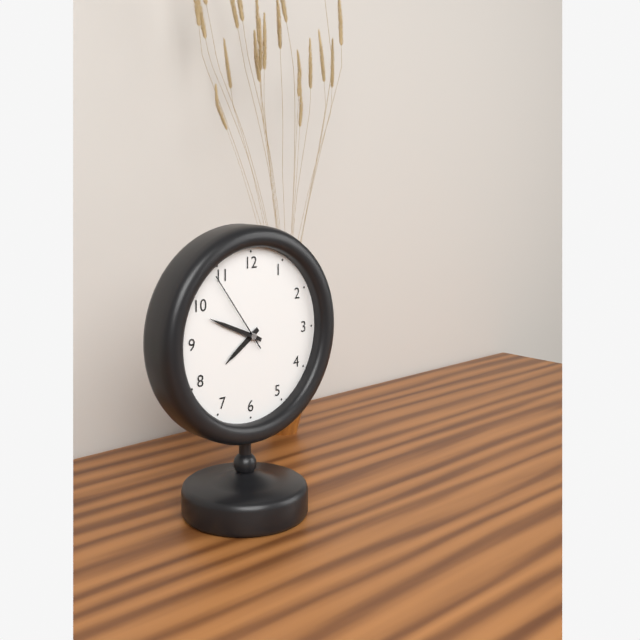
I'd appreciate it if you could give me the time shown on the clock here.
7:49:54
